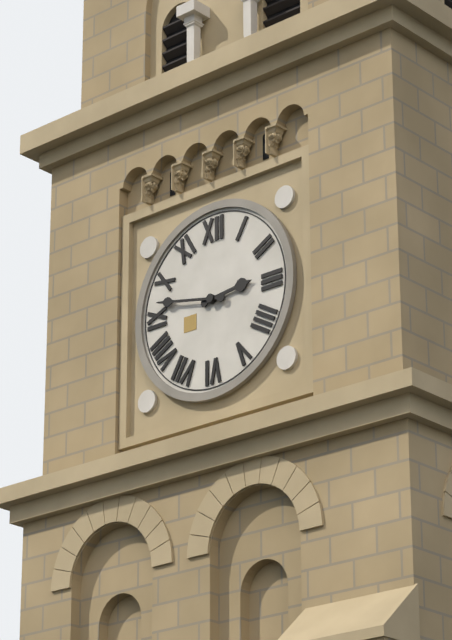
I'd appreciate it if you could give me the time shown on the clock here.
2:47
